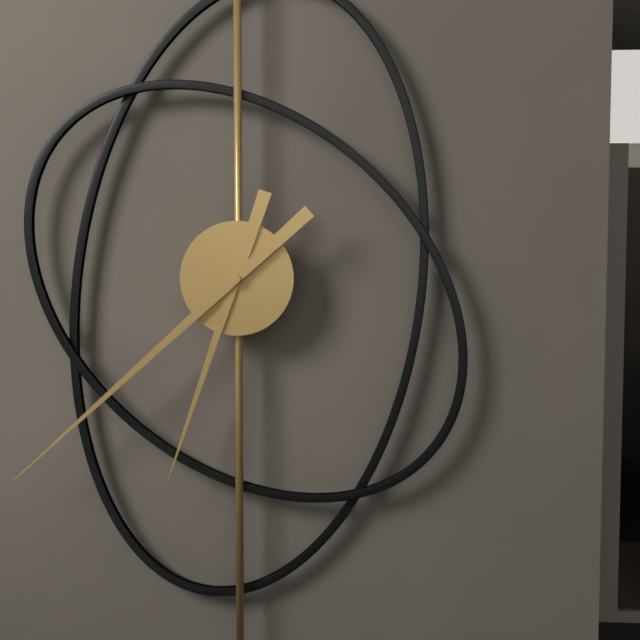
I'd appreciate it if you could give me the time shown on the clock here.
6:38
